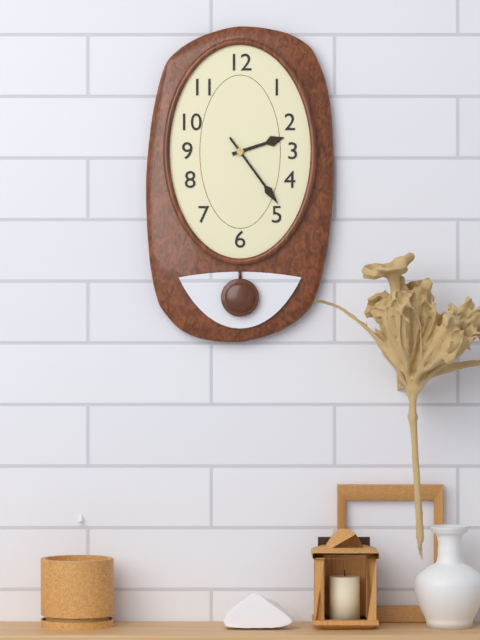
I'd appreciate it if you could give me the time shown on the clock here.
2:24
